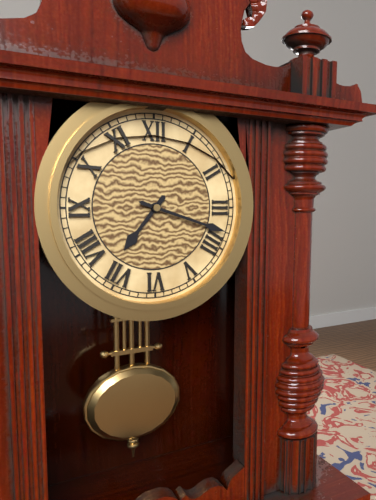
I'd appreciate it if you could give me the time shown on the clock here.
7:18
